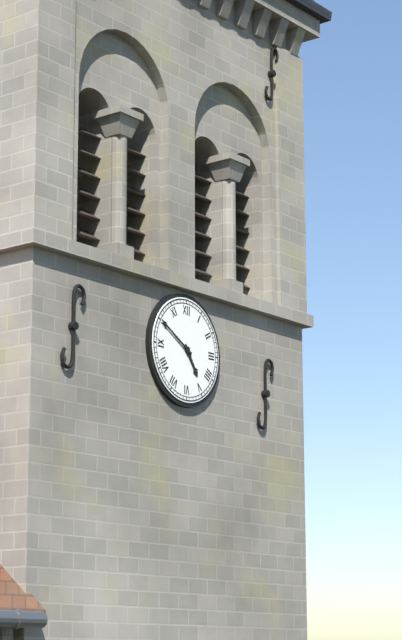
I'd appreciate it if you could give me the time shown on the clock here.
4:50
